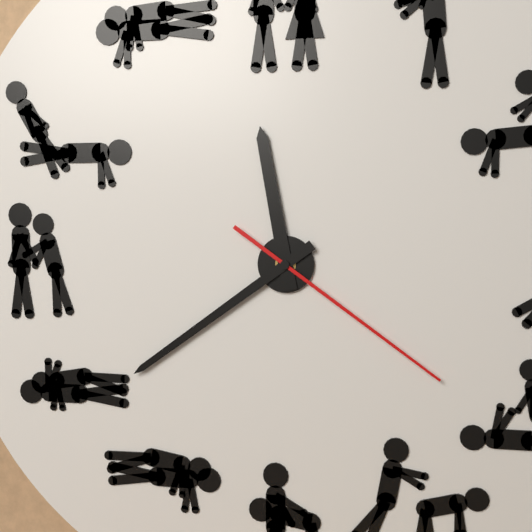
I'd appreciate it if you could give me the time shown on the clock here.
11:39:21
